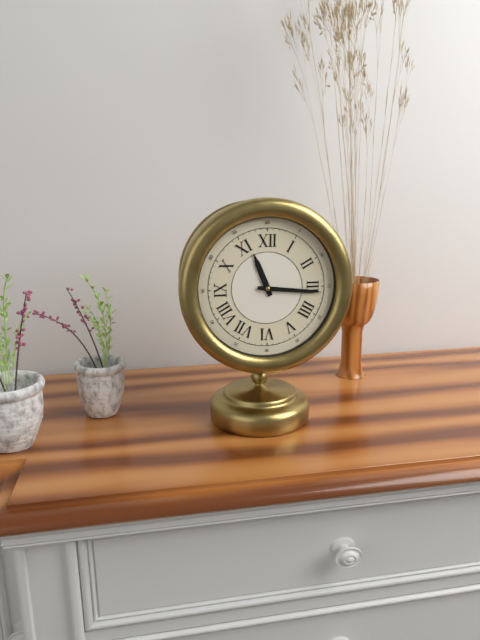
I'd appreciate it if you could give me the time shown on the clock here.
11:16
